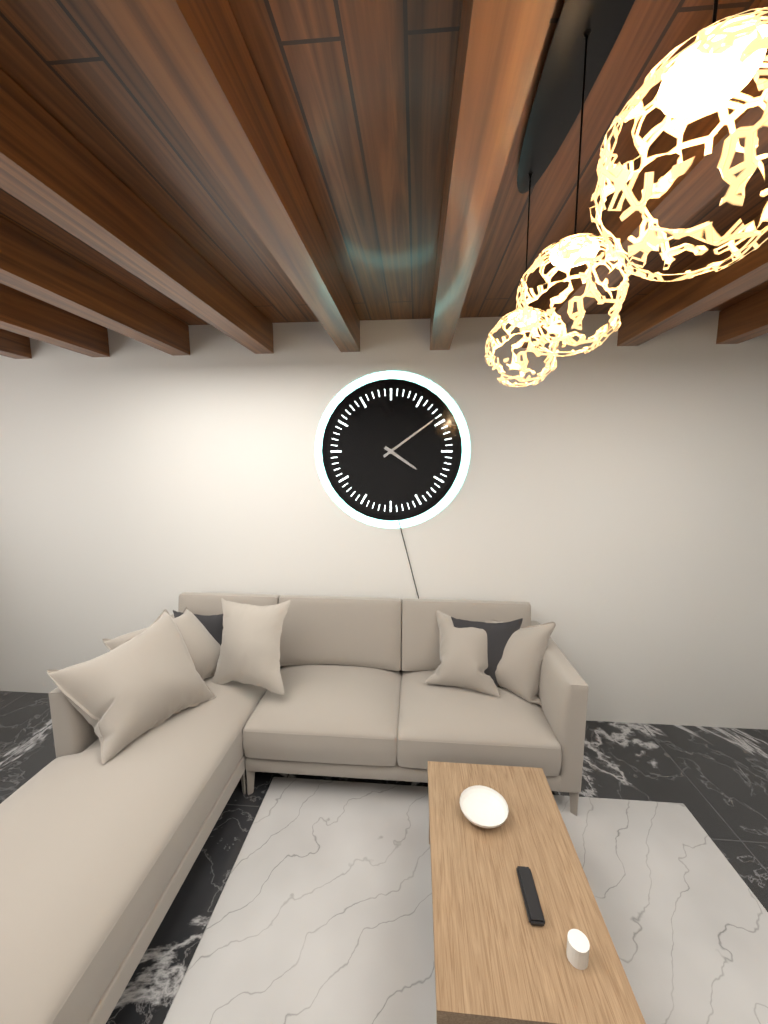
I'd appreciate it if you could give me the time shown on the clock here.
4:09
